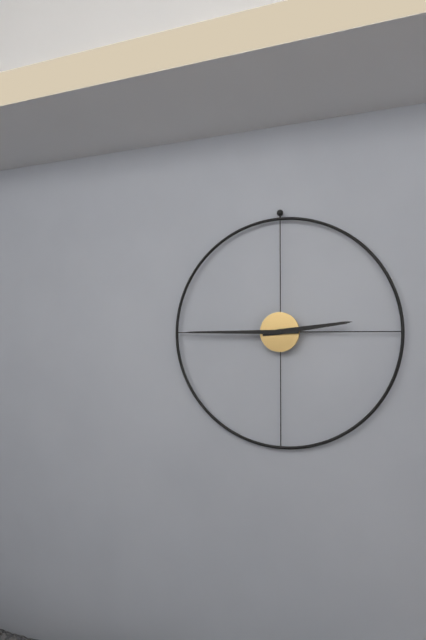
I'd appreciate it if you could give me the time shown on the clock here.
2:45
